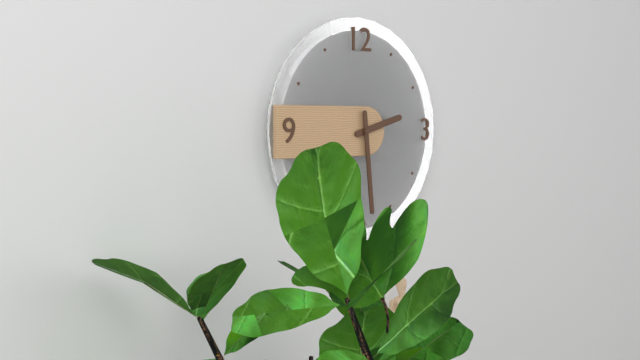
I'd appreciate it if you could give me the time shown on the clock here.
2:29
